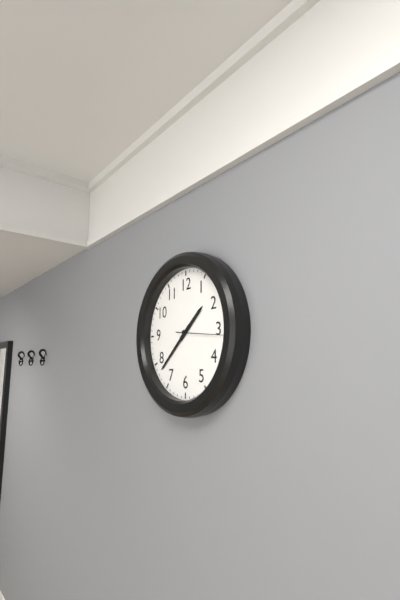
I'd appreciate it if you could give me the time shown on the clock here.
1:38
